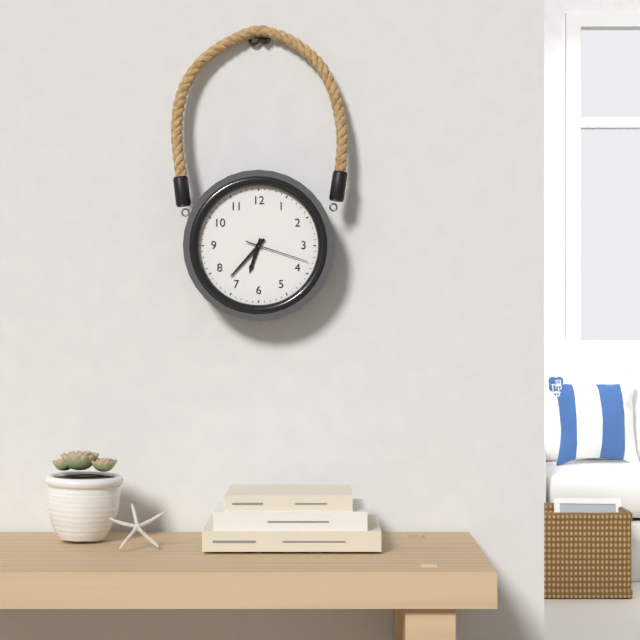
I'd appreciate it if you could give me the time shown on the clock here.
6:37:18
